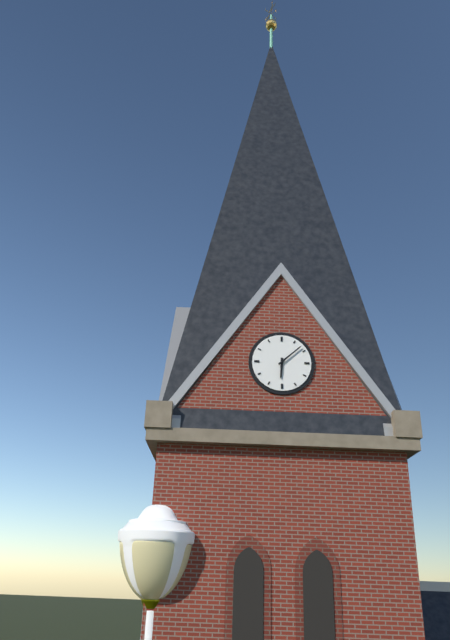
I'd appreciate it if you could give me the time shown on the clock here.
6:08
